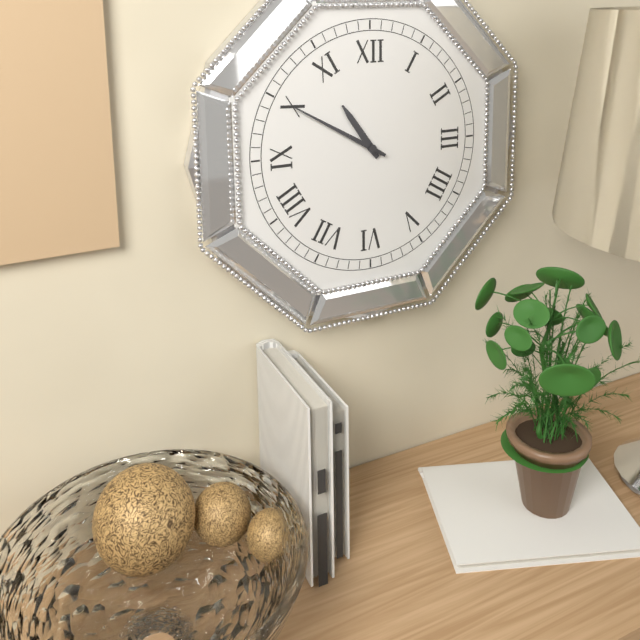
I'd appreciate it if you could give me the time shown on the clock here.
10:50
